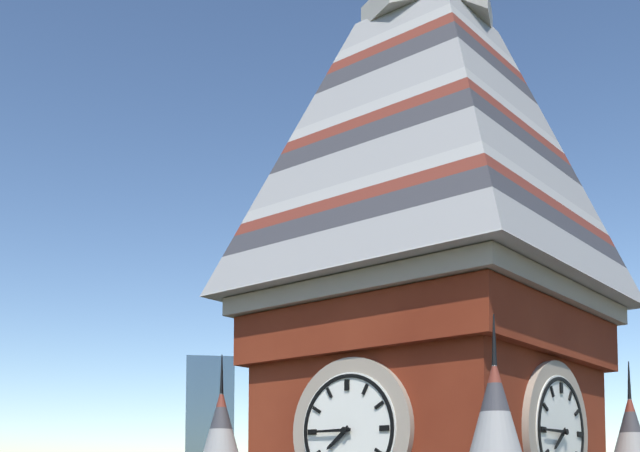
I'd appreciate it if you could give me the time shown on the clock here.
7:45
